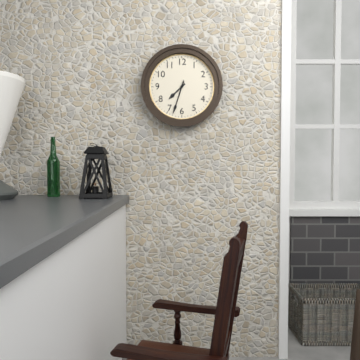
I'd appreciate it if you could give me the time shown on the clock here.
7:33
